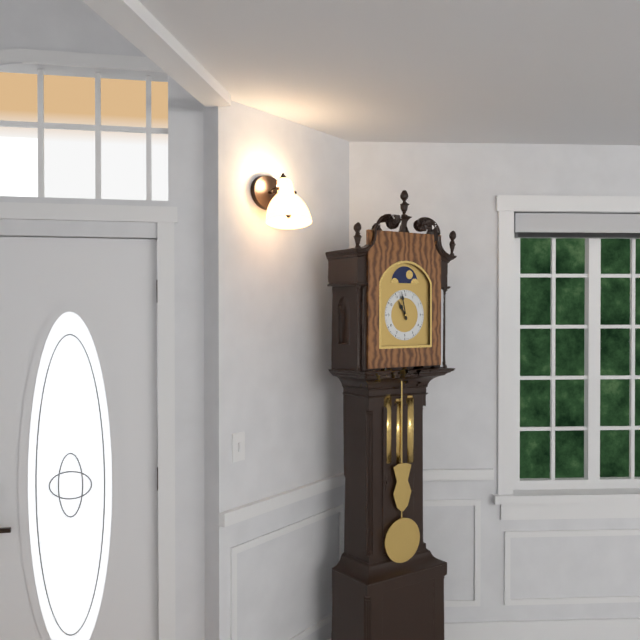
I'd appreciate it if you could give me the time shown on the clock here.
10:58
